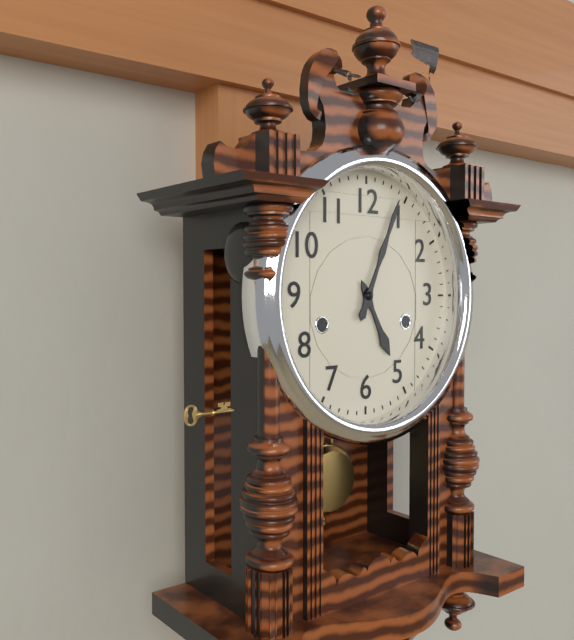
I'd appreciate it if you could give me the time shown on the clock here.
5:04
